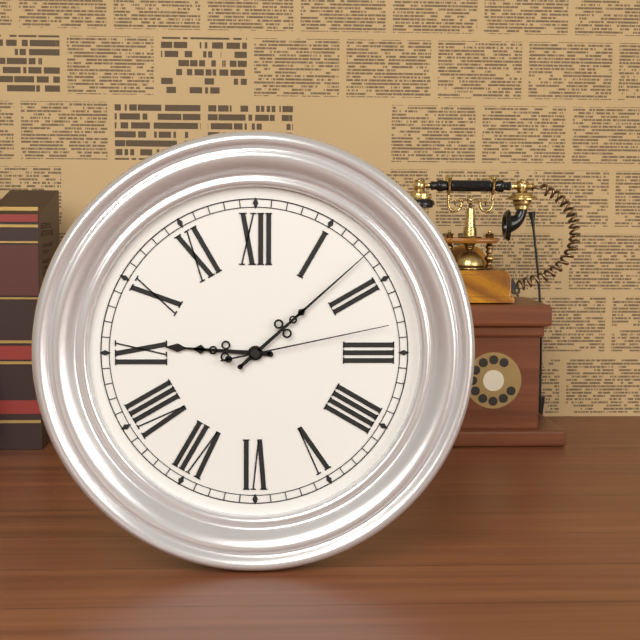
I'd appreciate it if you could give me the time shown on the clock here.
9:08:13
